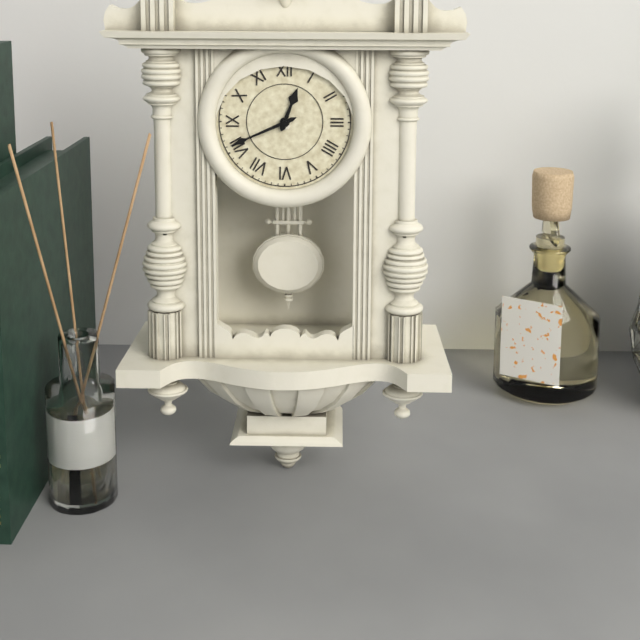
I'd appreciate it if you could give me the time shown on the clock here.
12:41
